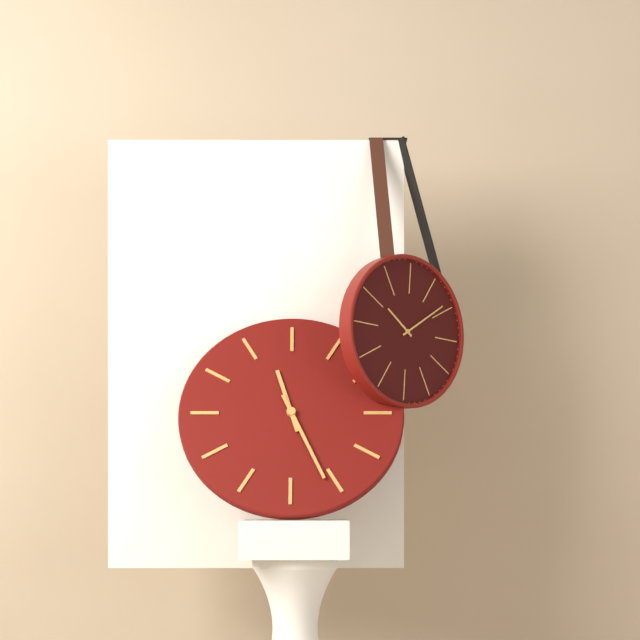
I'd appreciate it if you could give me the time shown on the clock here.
11:26
